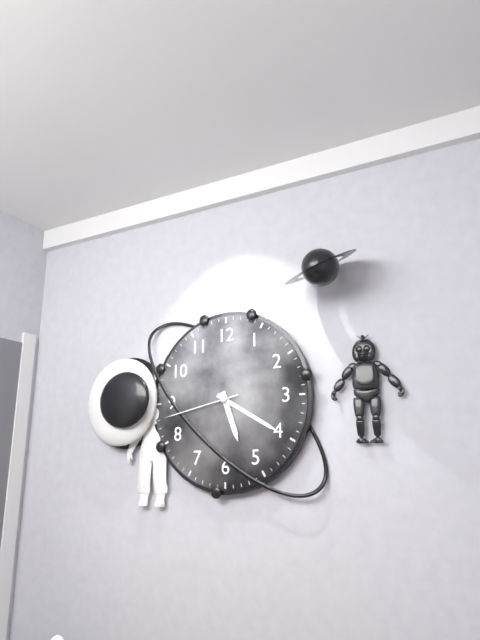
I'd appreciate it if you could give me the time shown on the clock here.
5:20:43
